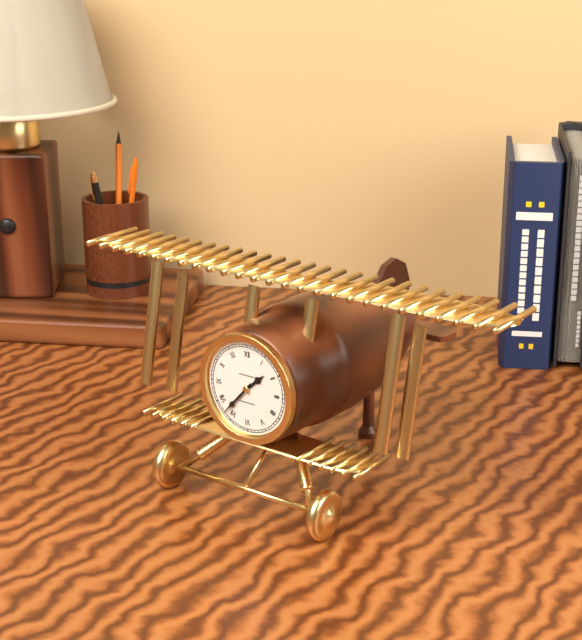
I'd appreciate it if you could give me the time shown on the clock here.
1:37
